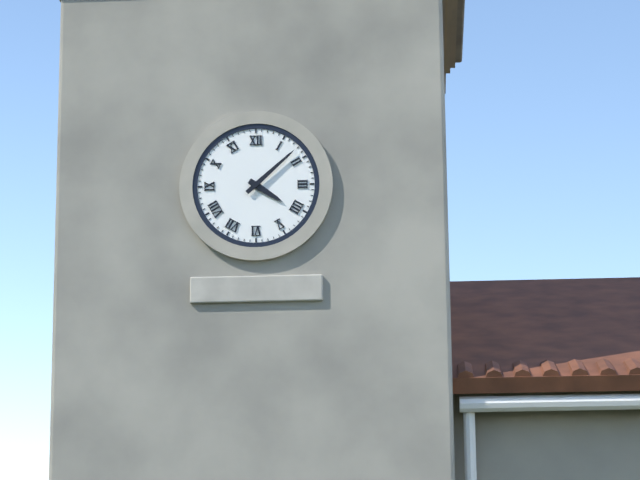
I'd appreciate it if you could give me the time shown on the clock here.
4:08
